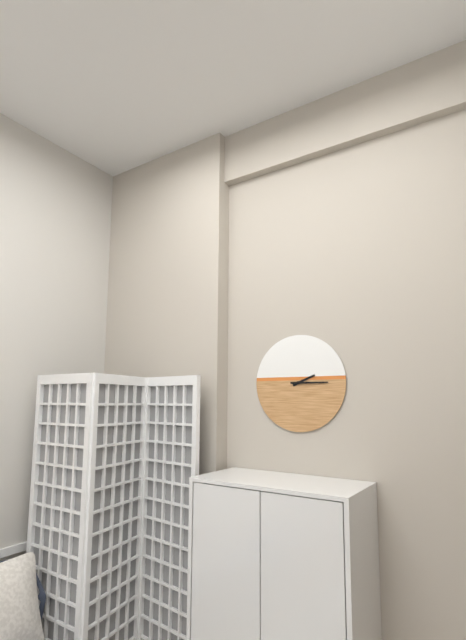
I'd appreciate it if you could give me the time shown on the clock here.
2:15
